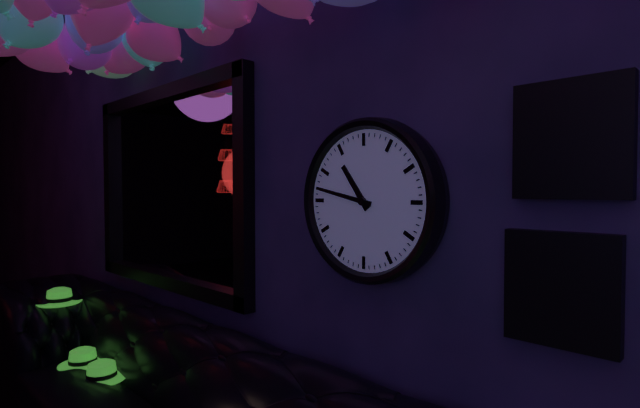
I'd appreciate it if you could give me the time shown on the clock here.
10:47
